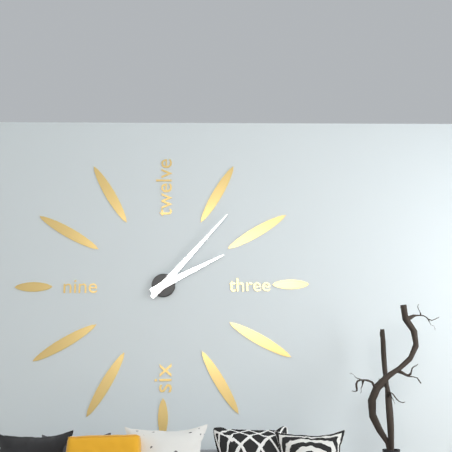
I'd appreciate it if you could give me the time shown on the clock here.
2:07
